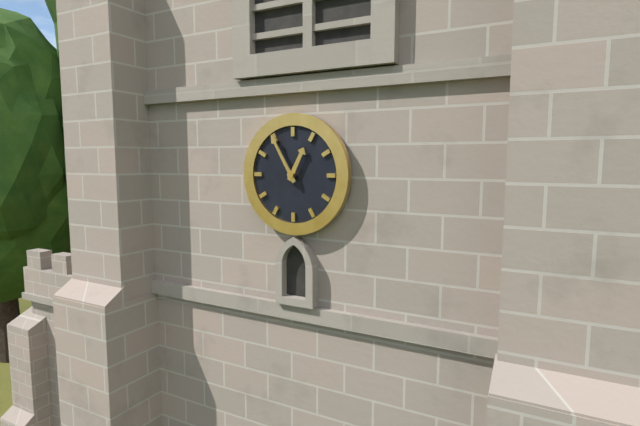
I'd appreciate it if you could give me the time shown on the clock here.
12:55
